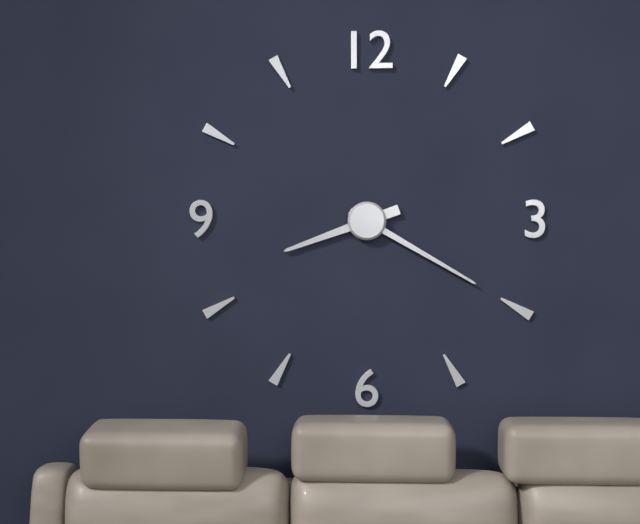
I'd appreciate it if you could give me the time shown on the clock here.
8:20
